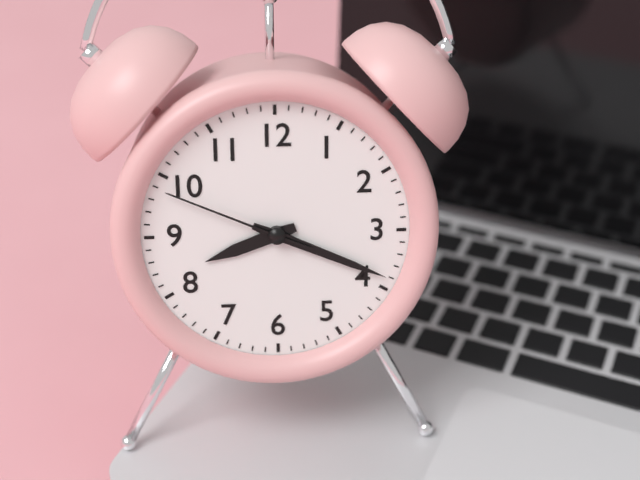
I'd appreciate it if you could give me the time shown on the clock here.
8:19:49
